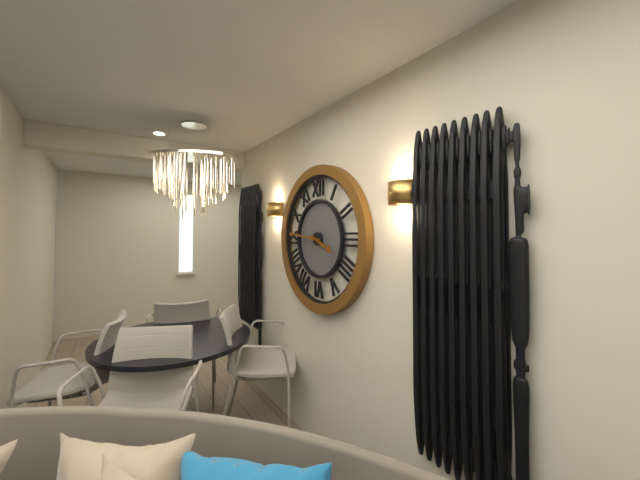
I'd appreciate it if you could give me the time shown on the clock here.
3:46
